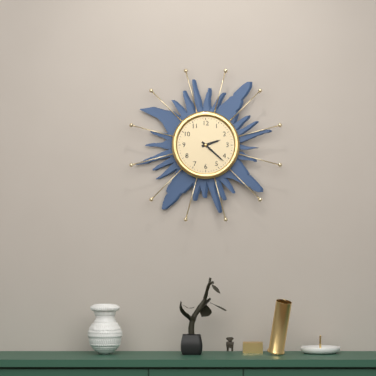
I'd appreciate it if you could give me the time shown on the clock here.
2:22
